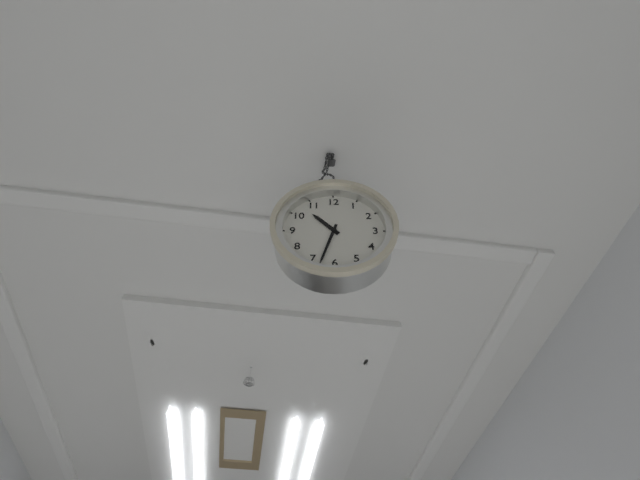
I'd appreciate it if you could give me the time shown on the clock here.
10:33
